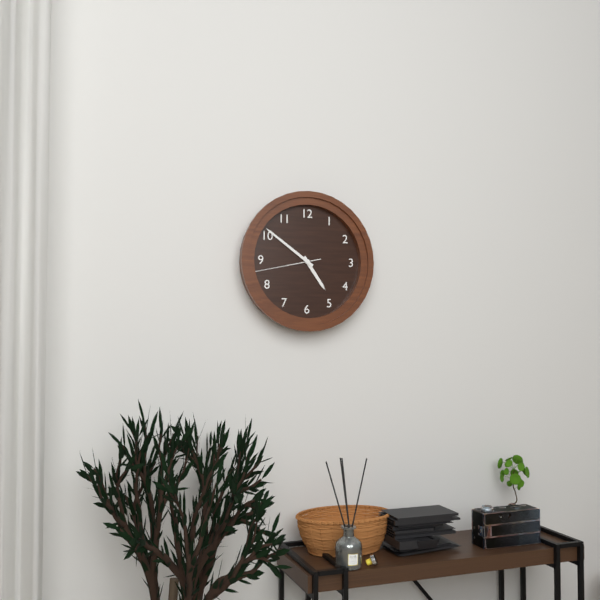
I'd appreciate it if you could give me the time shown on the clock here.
4:51:43
